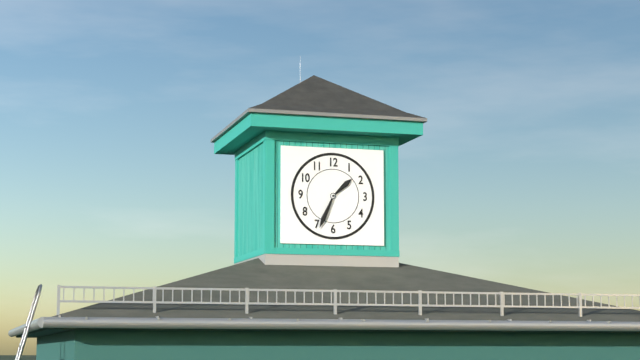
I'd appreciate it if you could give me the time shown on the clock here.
1:34
